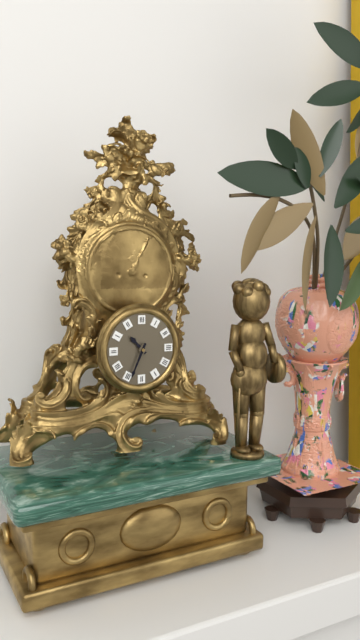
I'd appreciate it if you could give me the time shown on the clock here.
10:34
